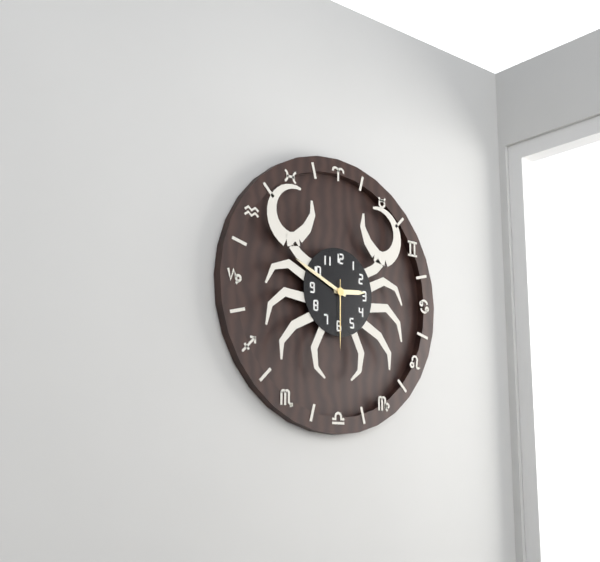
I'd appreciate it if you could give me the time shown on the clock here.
2:49:30
